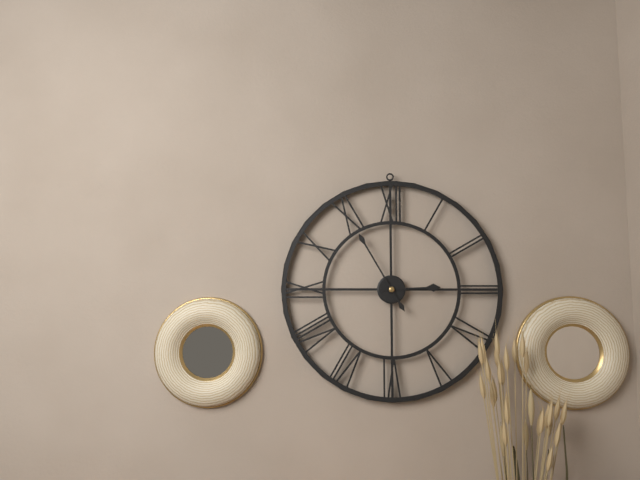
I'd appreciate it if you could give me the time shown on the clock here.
2:55
